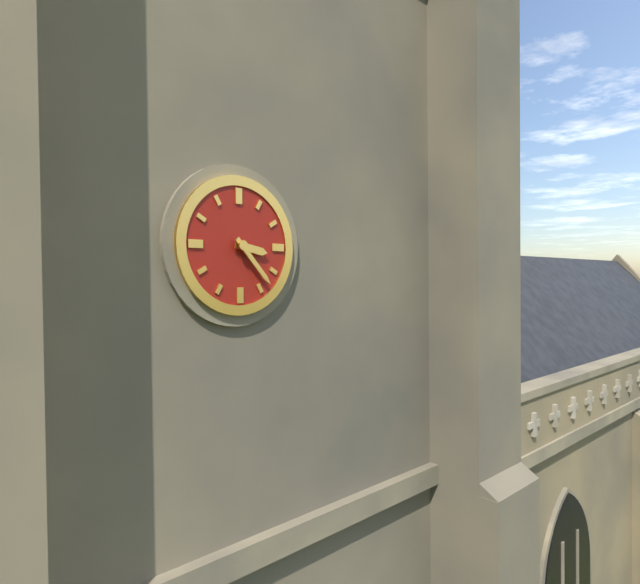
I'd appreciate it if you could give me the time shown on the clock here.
3:23
